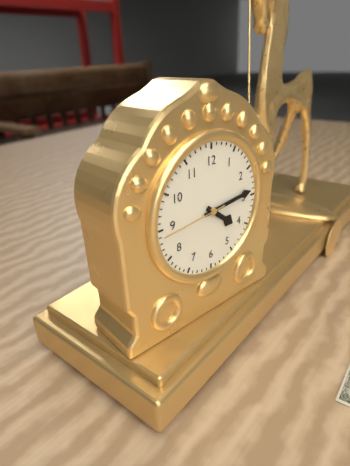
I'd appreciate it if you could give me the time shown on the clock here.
4:14:44
